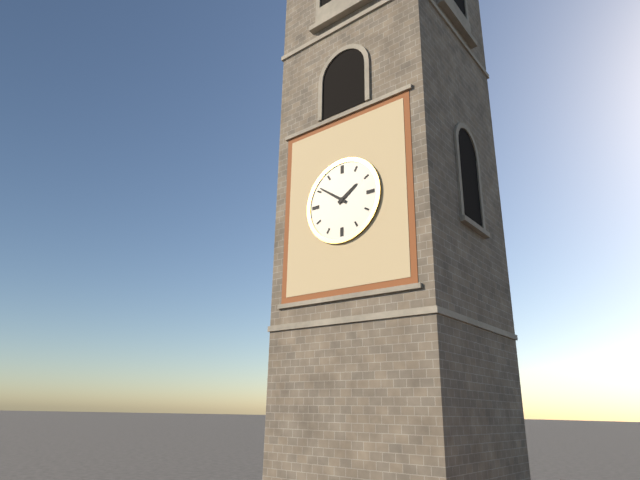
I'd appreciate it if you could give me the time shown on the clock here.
1:51
